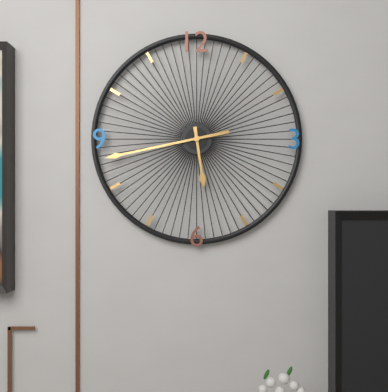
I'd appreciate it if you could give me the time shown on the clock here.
5:43
